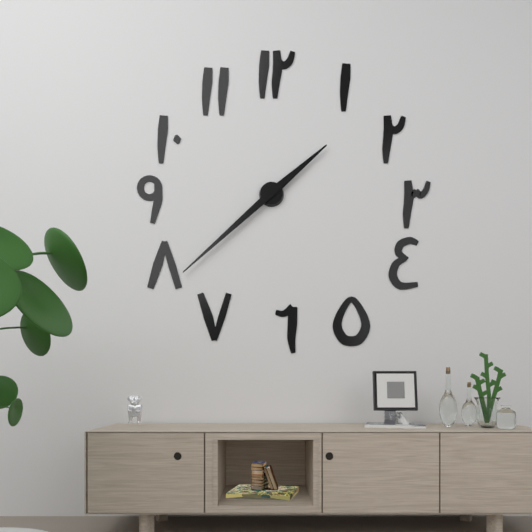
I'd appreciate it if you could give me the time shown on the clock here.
1:38
